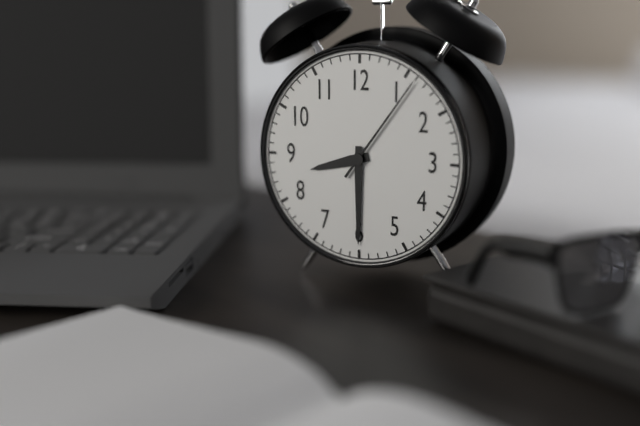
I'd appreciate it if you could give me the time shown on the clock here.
8:30:06
